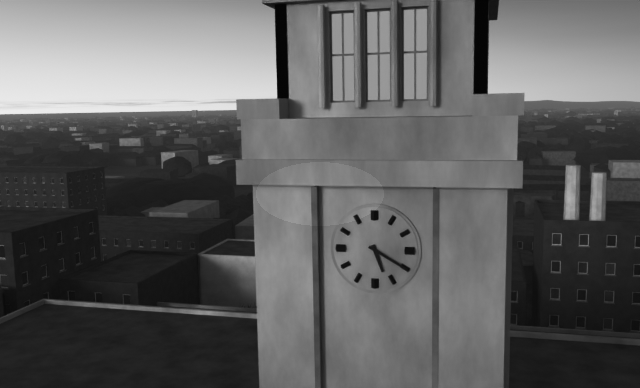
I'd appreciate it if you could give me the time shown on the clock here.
5:20
